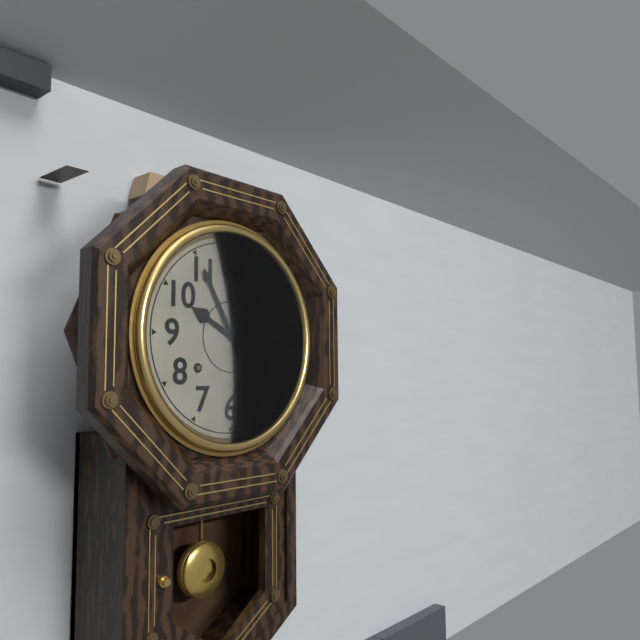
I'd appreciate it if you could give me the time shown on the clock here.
9:55
